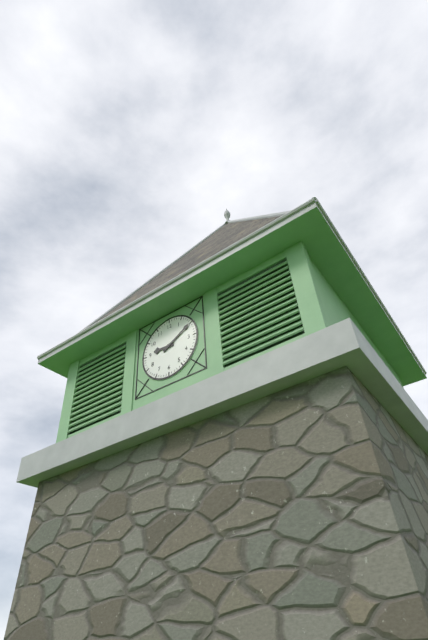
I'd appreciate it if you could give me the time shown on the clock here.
9:10
